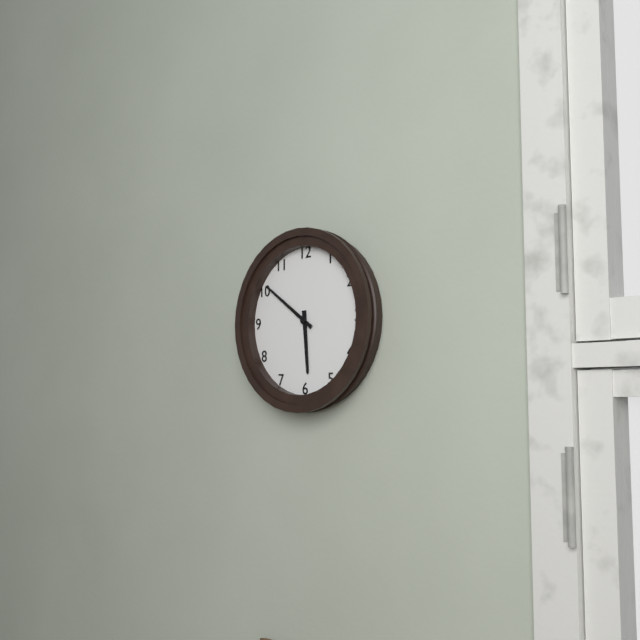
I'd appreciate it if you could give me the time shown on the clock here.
5:51
